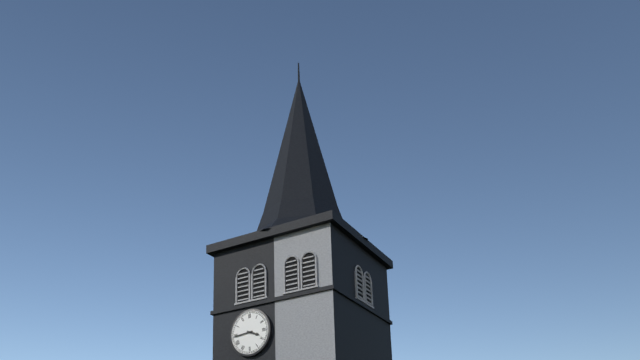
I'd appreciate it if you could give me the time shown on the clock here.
3:44
